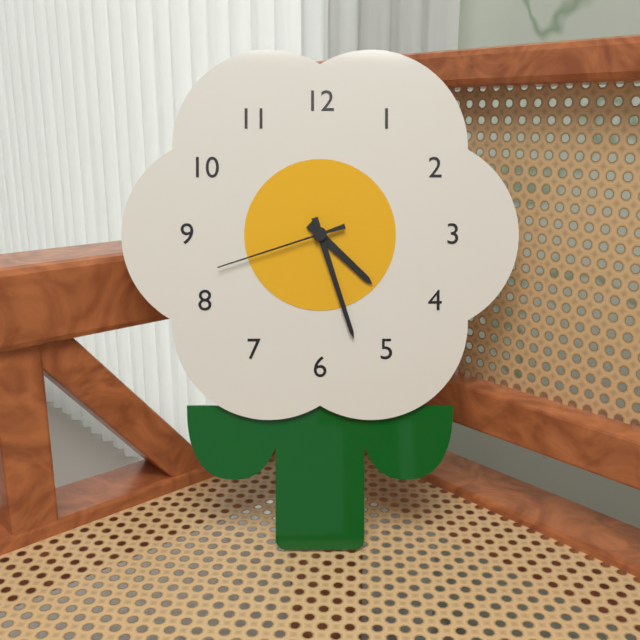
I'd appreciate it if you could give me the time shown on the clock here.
4:27:42
